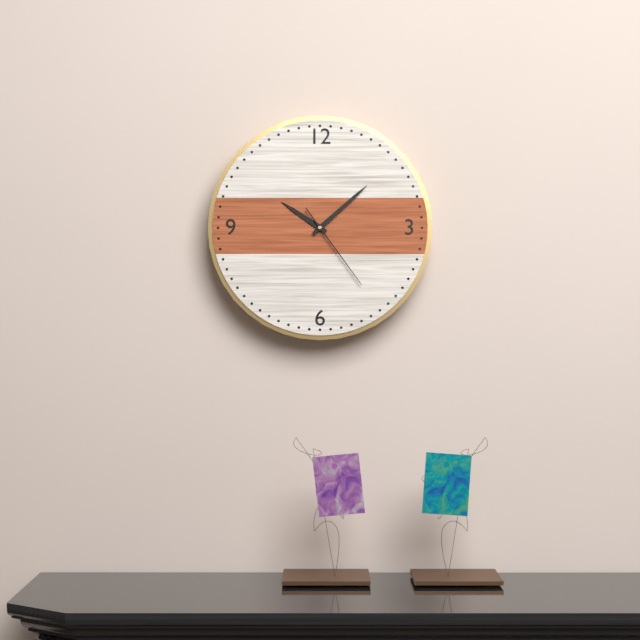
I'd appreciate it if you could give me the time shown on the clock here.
10:08:24
